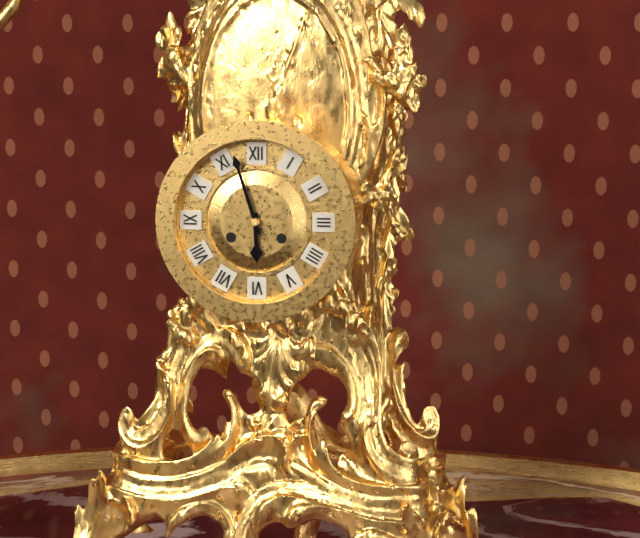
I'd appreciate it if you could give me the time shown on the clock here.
5:57
